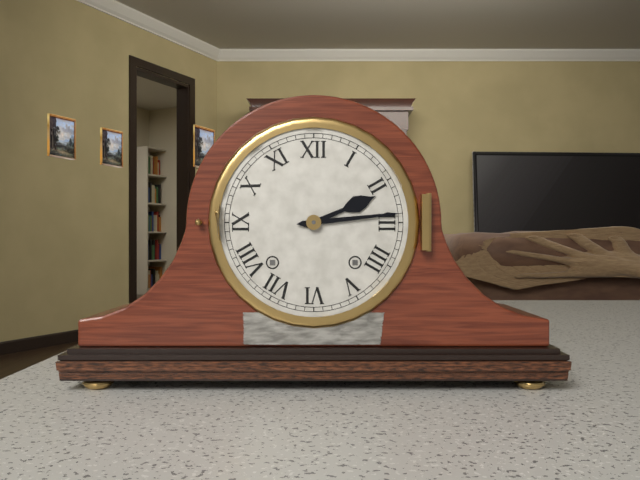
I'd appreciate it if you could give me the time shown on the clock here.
2:14
